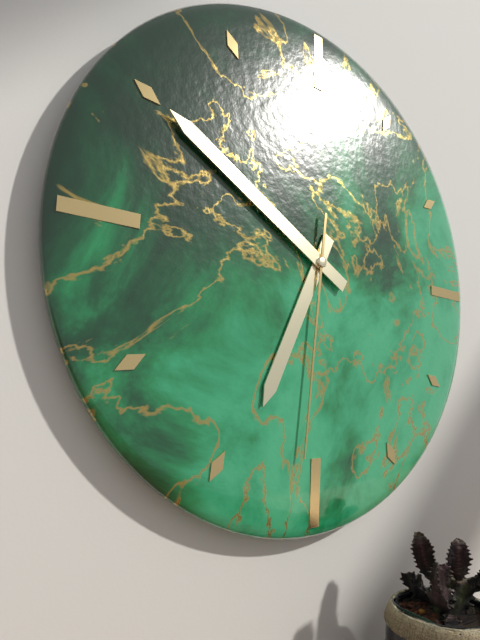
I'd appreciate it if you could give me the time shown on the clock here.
6:50:31
